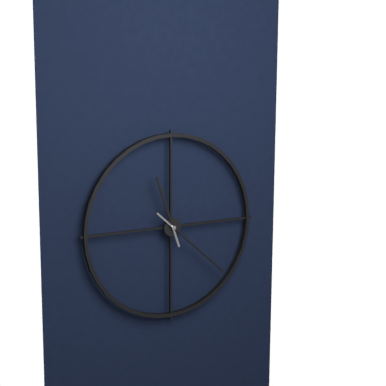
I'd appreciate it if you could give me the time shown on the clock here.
11:22
